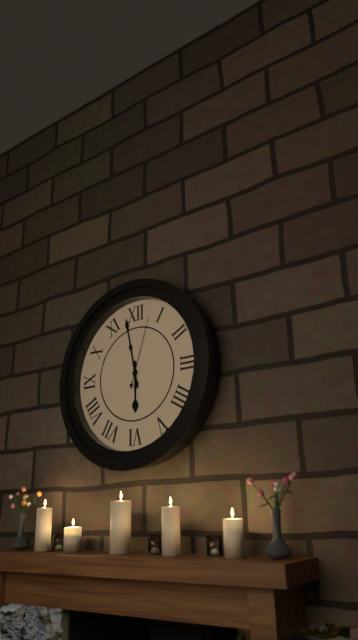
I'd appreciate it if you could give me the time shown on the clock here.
5:58:03
